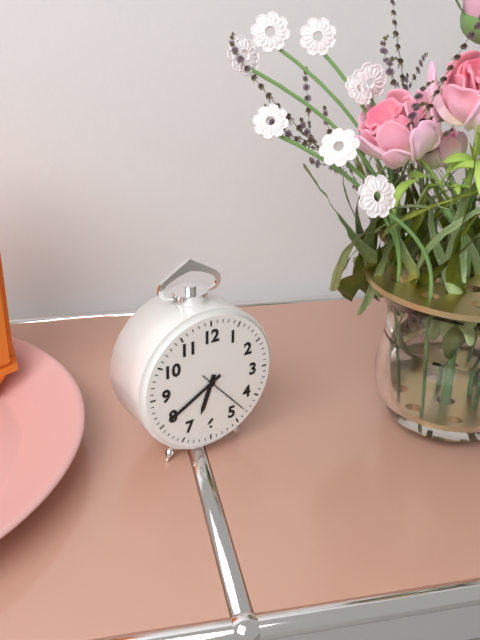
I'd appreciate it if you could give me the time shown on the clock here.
6:40:23
